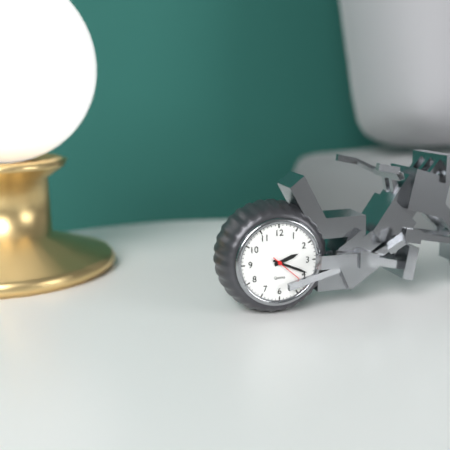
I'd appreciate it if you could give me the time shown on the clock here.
2:19
